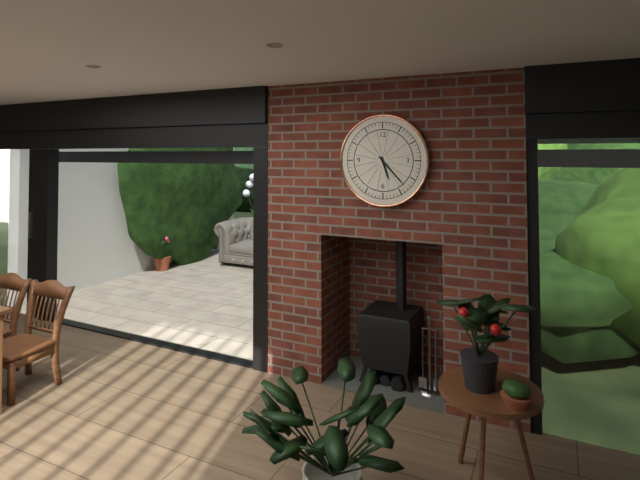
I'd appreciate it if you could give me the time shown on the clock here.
5:23
